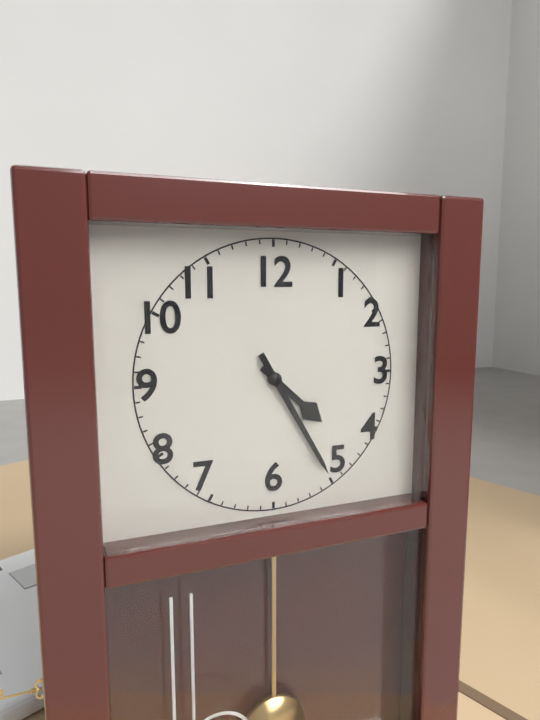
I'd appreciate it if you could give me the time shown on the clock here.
4:25
